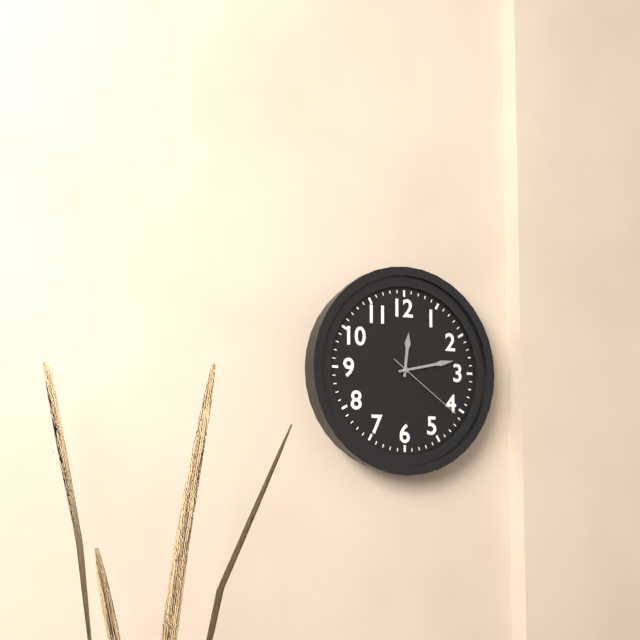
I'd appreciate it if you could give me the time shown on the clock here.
12:13:21
